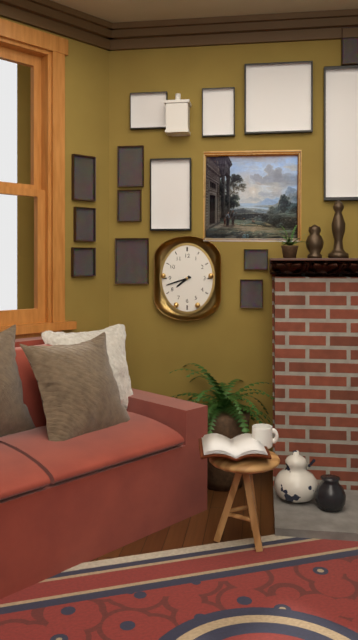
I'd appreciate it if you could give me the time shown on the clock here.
7:42
